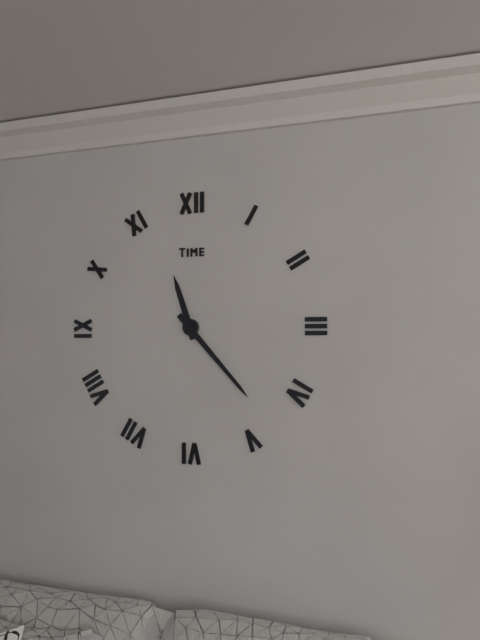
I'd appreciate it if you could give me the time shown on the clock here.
11:23
